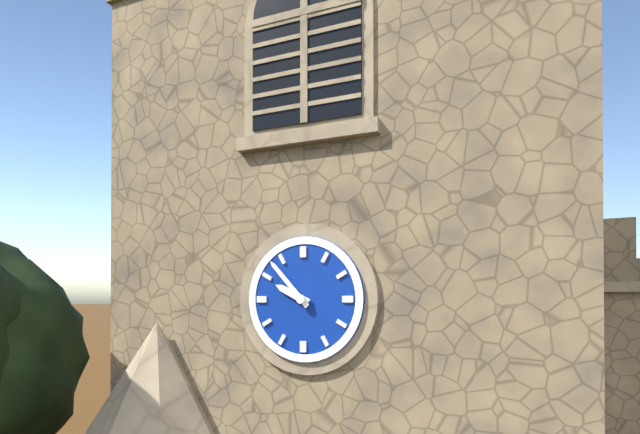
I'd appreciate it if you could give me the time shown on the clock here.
9:53
